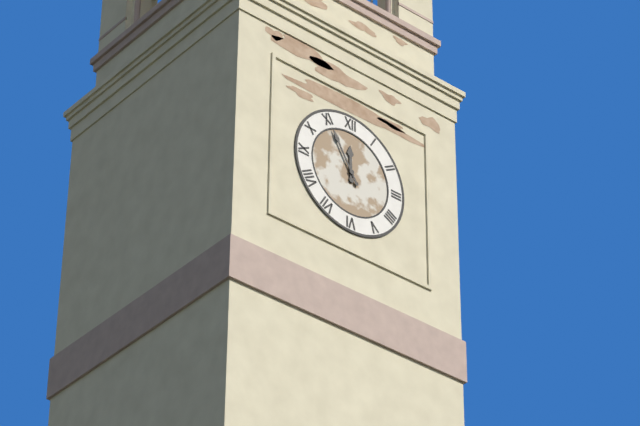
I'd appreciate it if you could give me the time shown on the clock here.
11:55
